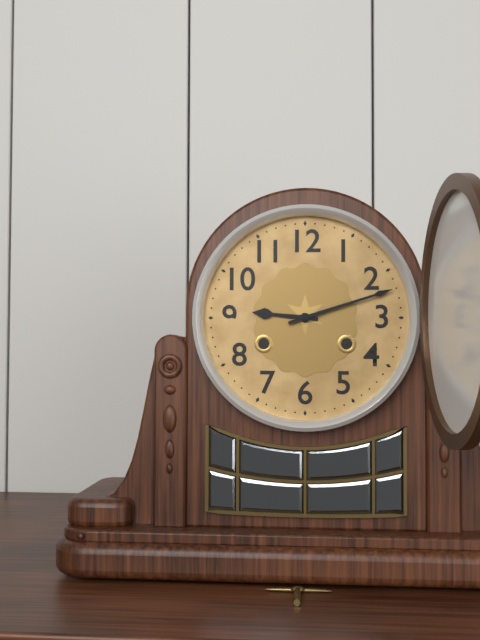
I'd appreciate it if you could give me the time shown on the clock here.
9:12
